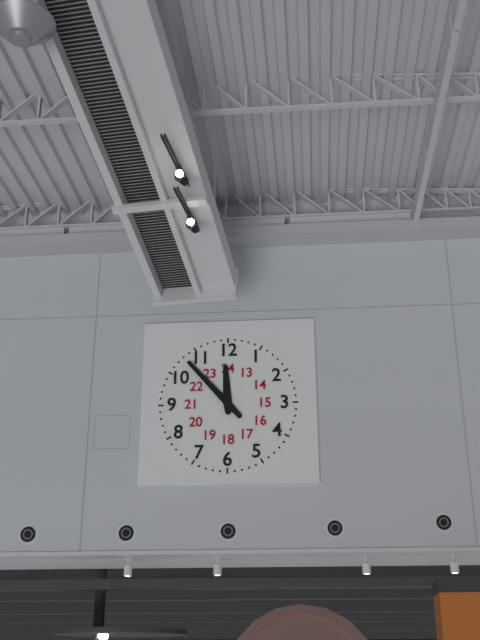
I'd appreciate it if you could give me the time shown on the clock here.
11:53
